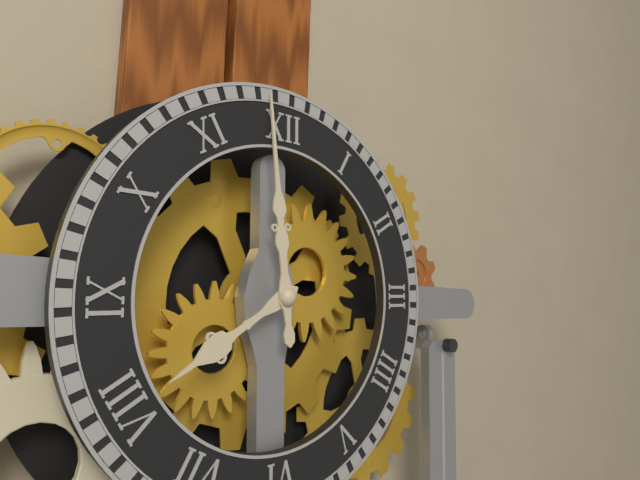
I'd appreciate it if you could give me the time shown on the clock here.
7:59
